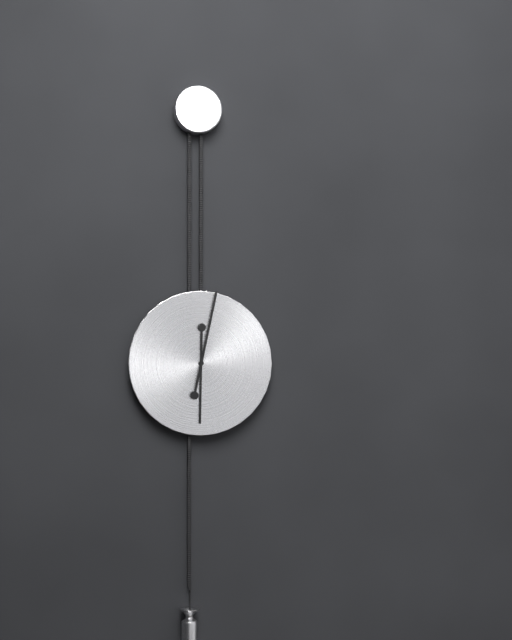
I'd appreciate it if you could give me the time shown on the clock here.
6:02
